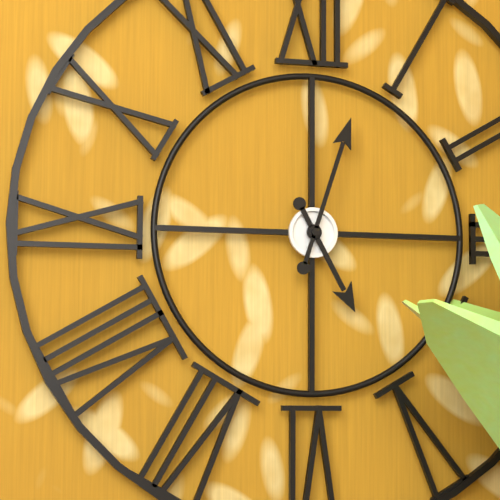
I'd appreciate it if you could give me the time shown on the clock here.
5:03
